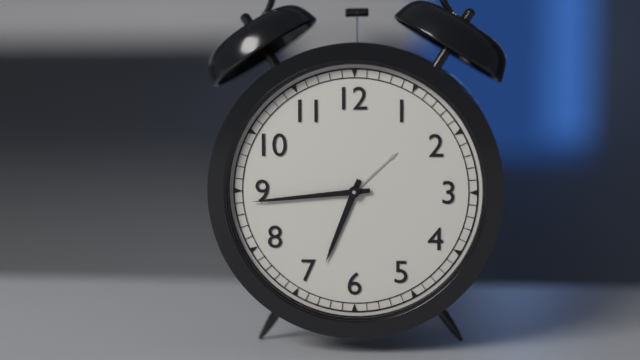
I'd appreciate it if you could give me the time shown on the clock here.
6:44
